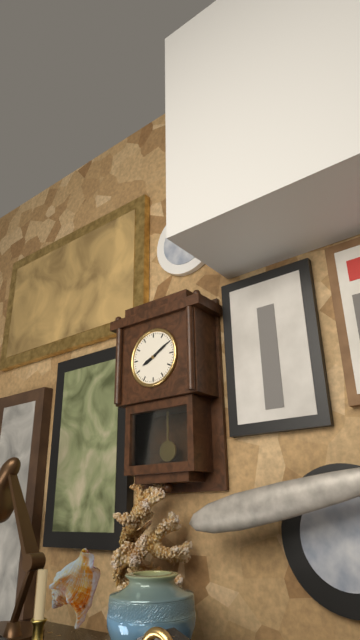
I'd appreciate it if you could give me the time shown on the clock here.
8:10
